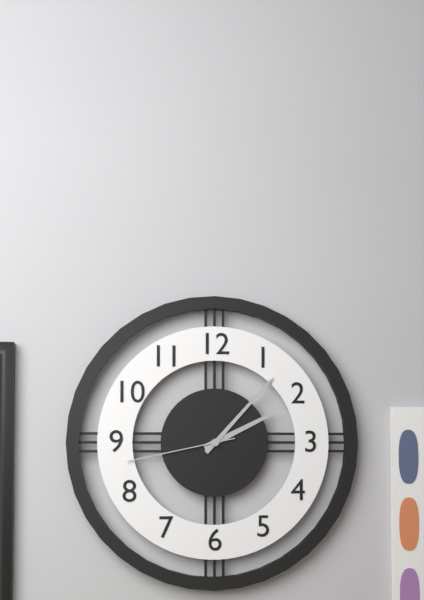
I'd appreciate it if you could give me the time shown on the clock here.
2:07:43
